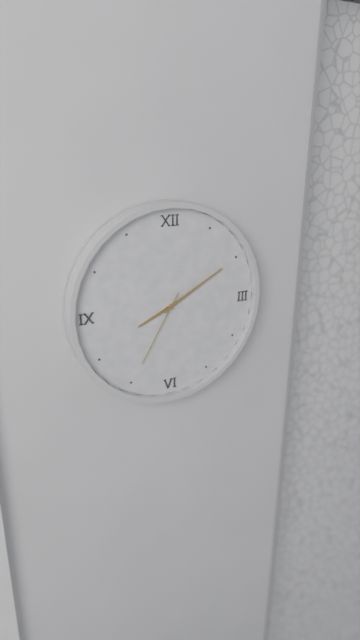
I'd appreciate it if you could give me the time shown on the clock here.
8:10:35
